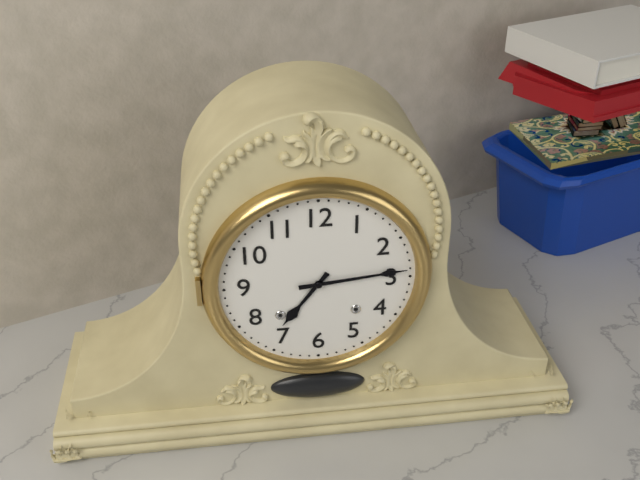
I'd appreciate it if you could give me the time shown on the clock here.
7:14
